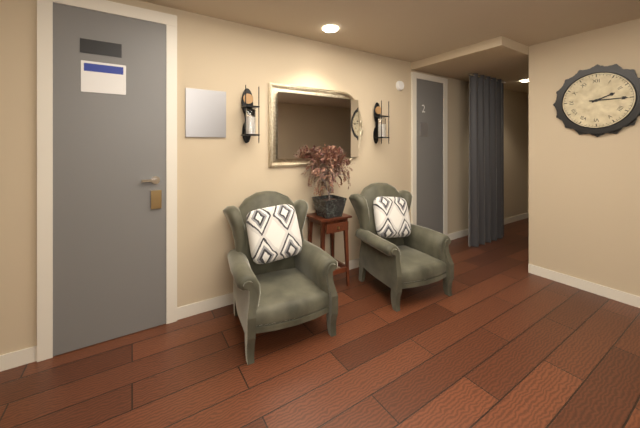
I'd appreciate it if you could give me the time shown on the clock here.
2:15
